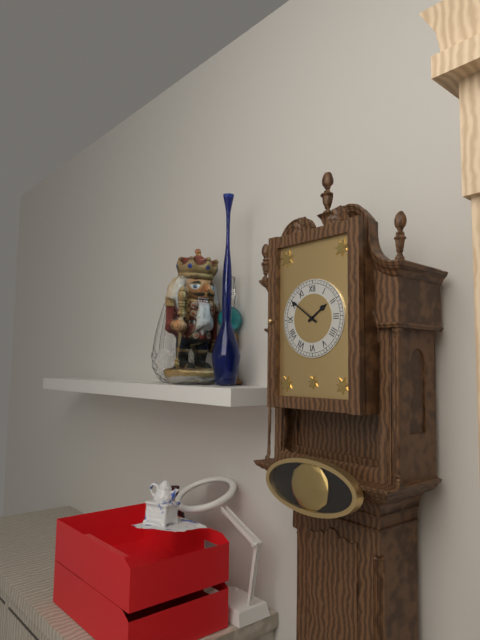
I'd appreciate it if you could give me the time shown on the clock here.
1:51
